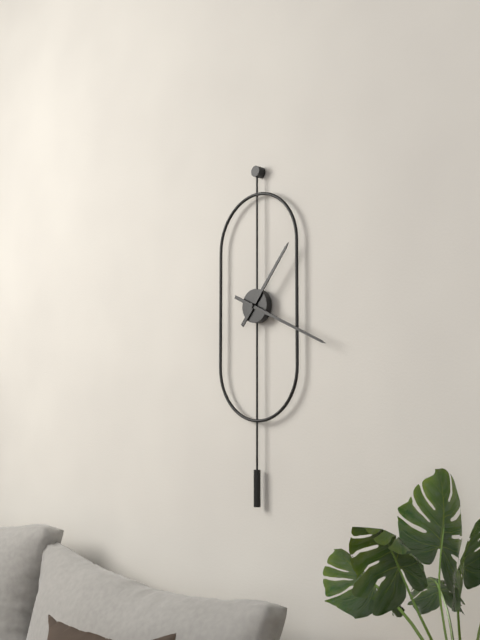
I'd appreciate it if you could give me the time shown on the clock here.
1:19
